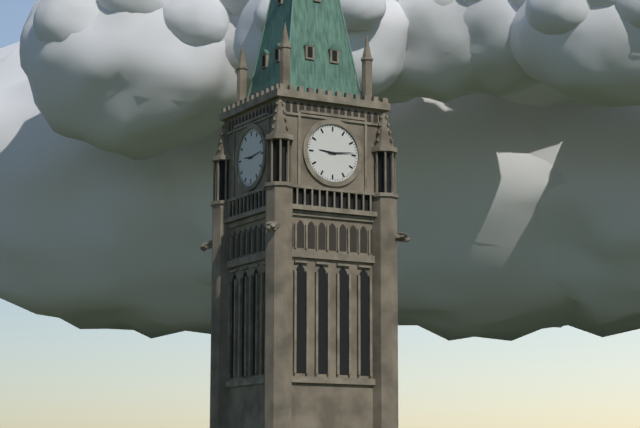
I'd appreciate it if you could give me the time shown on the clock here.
9:14
